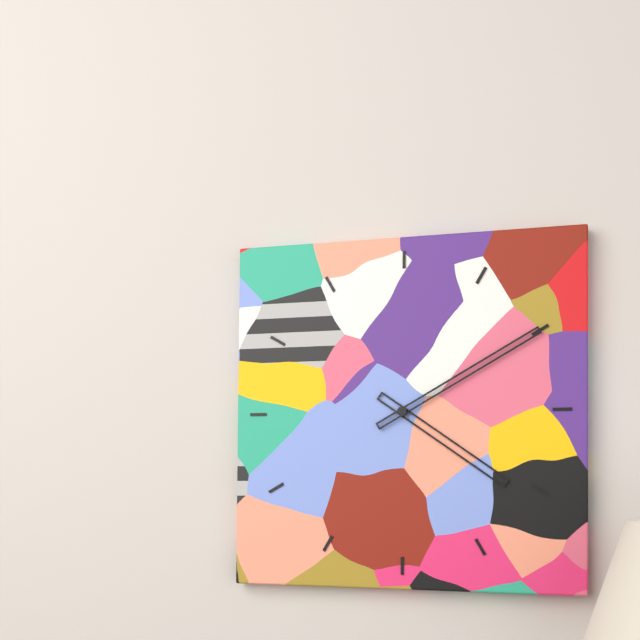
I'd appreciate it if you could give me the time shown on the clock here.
4:10
